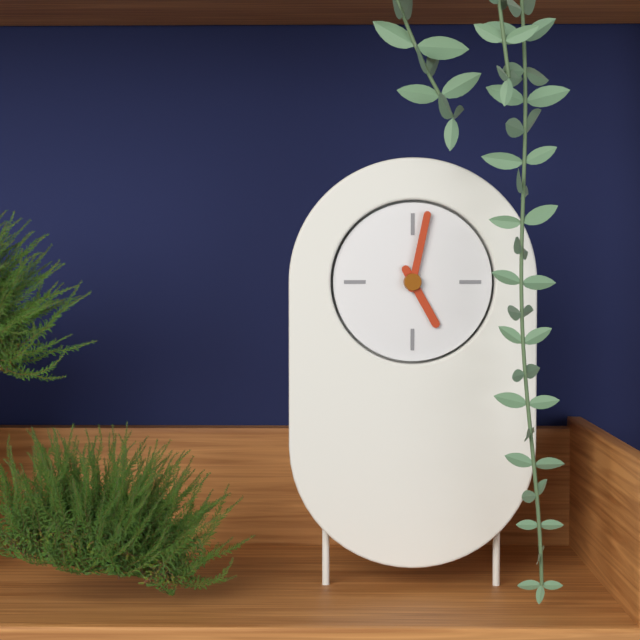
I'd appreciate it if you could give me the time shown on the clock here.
5:02
